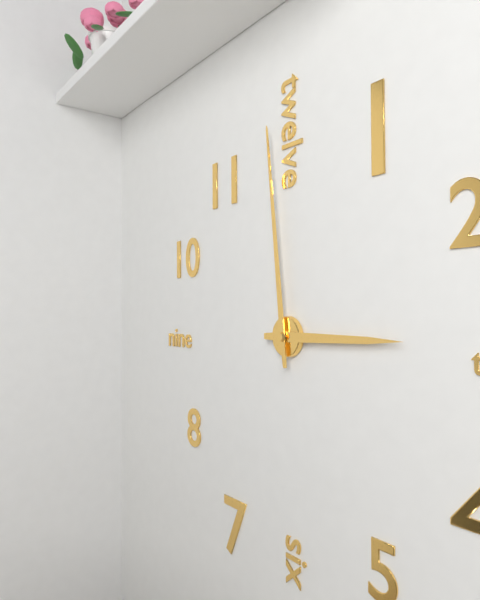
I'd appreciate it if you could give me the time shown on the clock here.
2:59
